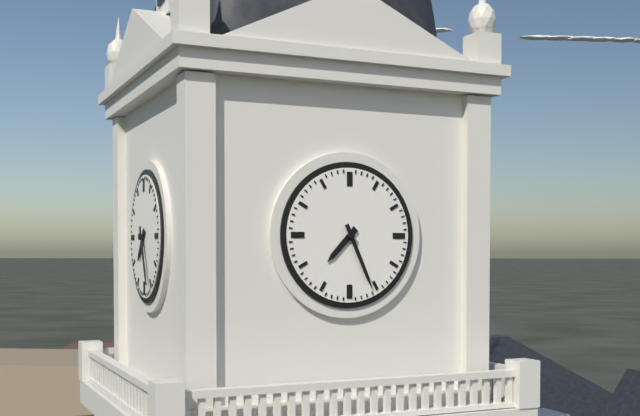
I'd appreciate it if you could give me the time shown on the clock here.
7:26
